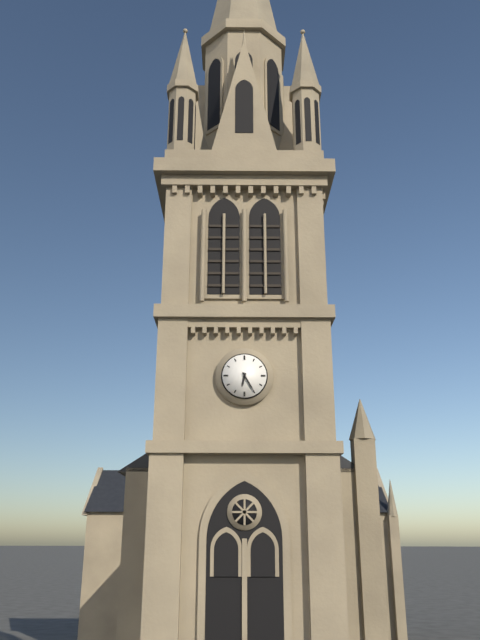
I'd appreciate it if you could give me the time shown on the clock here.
6:25
